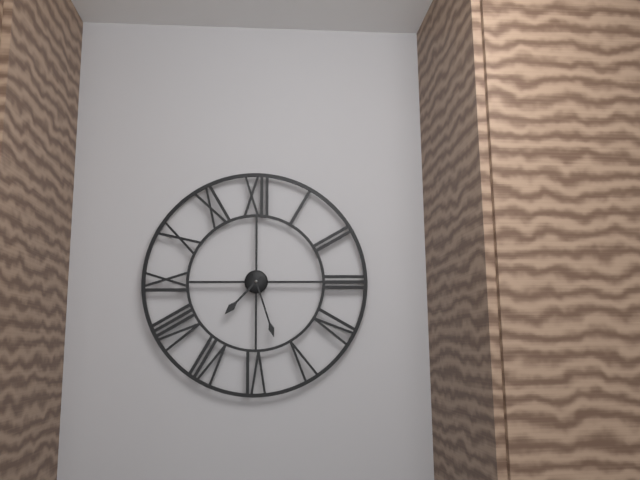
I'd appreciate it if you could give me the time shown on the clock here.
7:27
